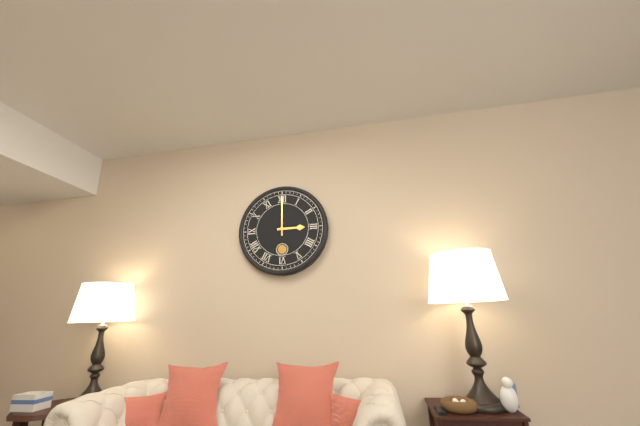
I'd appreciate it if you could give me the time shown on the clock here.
3:00
